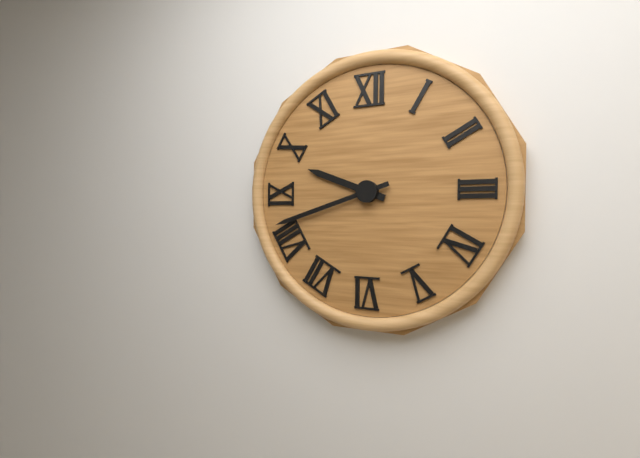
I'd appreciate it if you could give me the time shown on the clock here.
9:42
